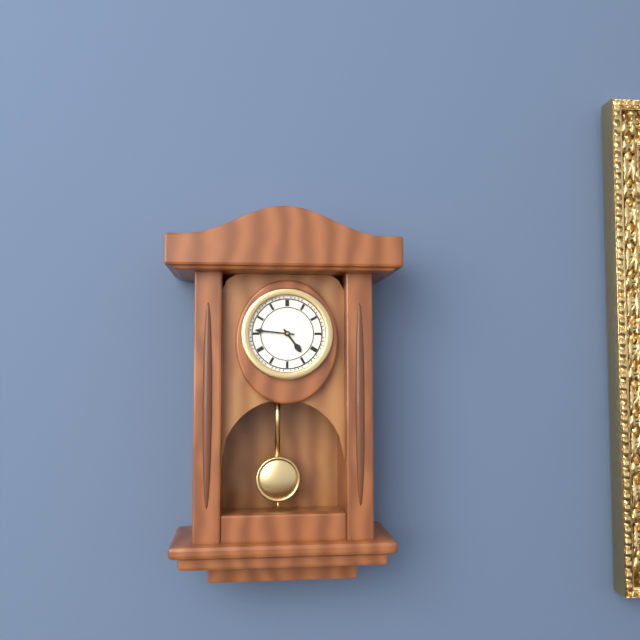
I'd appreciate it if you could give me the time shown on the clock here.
4:46
